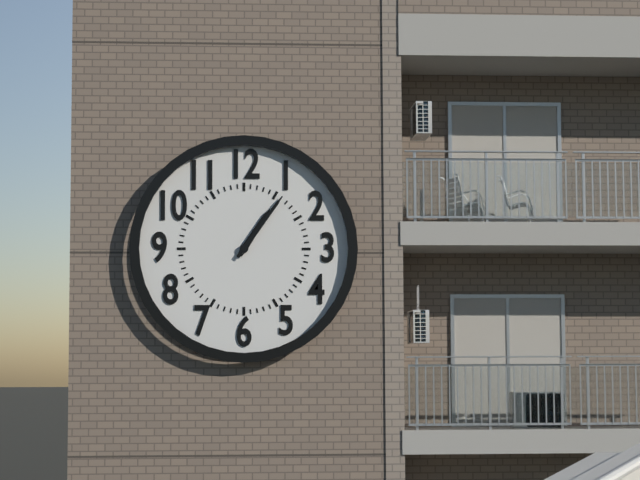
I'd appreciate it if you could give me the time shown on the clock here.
1:06
